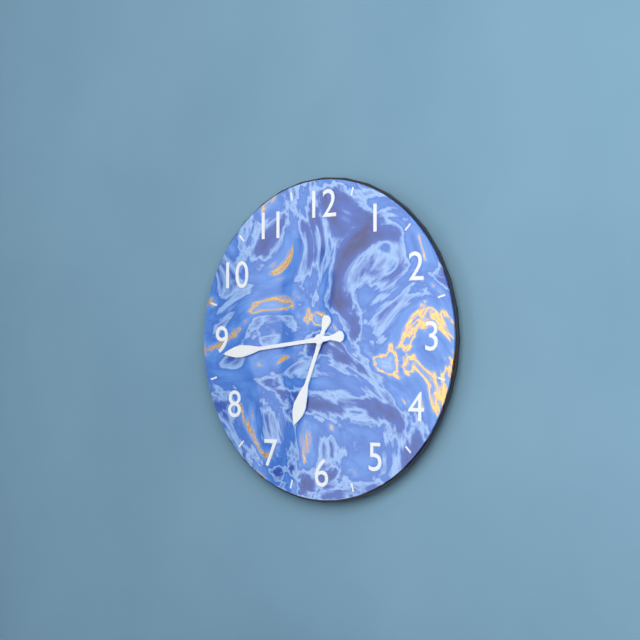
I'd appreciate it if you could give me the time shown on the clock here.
6:44
